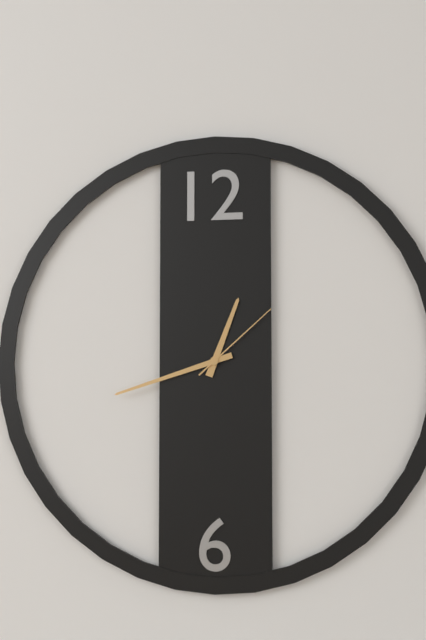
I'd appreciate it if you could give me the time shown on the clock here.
12:42:08
